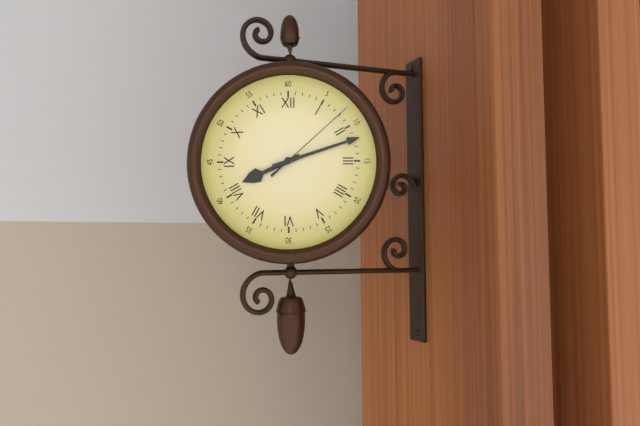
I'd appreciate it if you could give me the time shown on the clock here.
8:12:08
